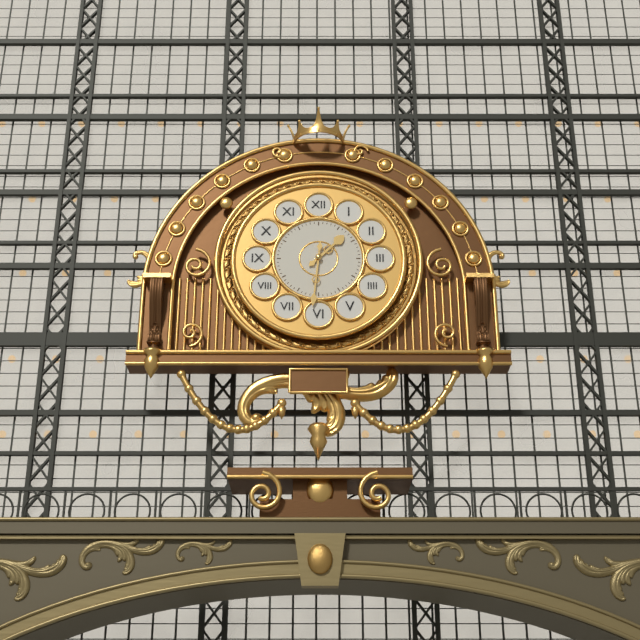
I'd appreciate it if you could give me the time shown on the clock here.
1:31
